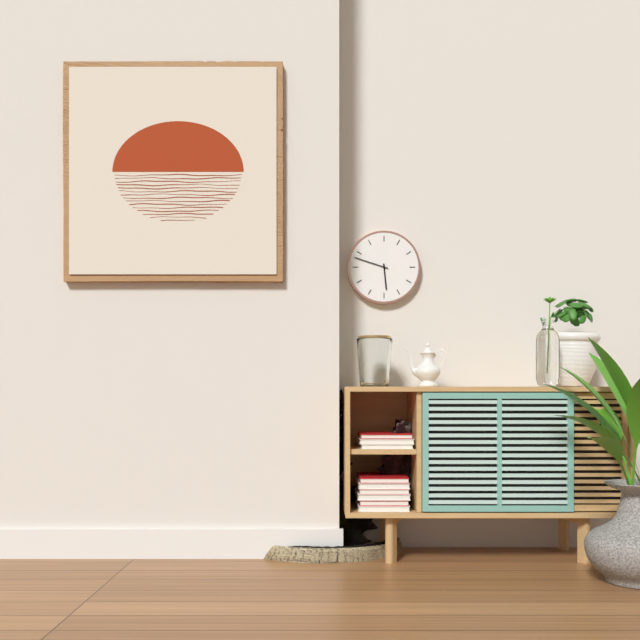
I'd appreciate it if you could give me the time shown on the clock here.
5:48
